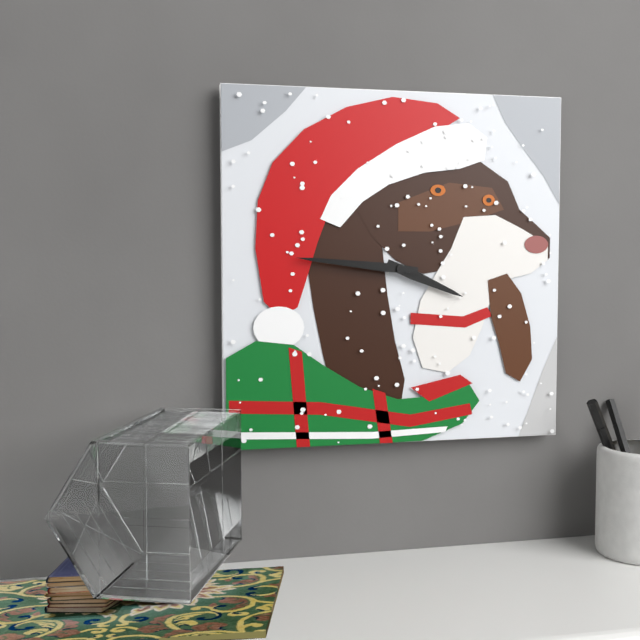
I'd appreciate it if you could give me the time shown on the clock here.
3:46
